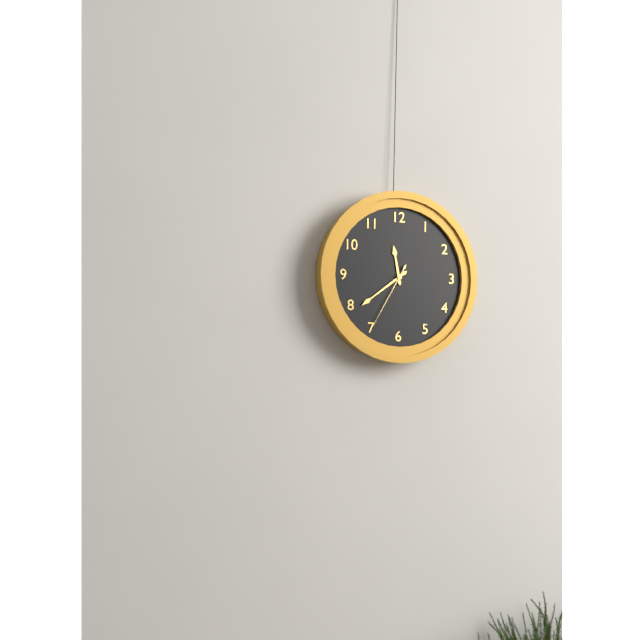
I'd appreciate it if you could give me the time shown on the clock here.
11:39:35
